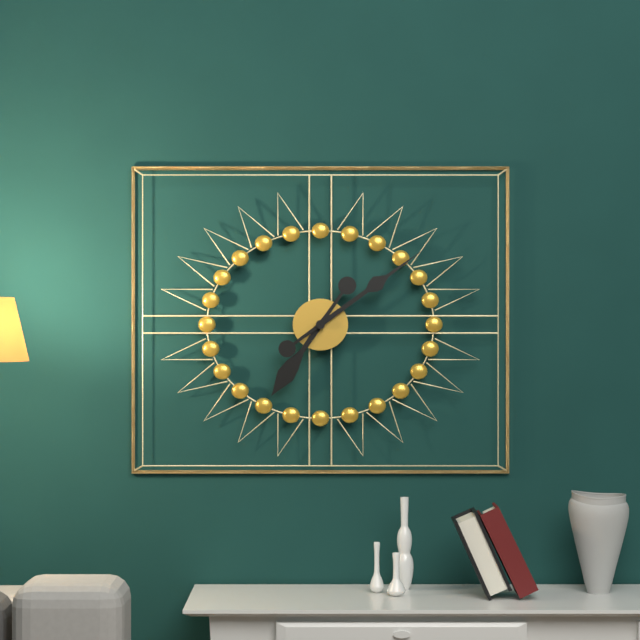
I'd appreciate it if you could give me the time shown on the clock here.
7:09
